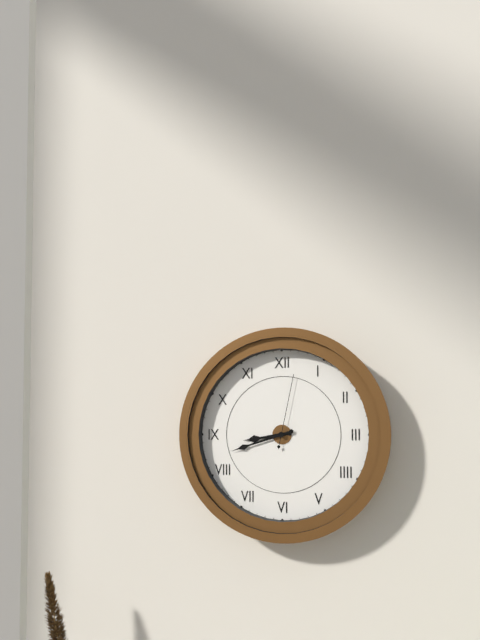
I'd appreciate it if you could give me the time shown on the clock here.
8:42:02
